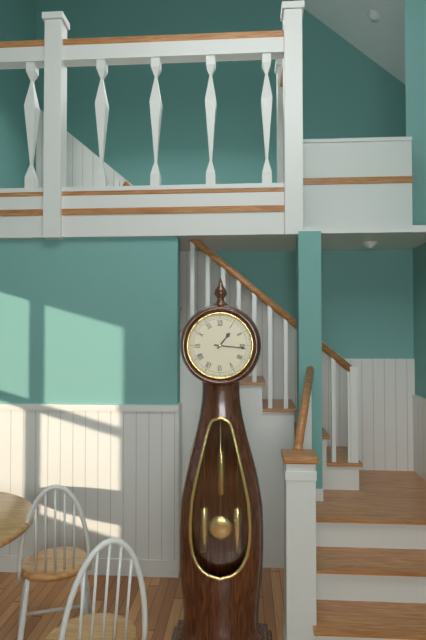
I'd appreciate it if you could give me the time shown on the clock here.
1:16
